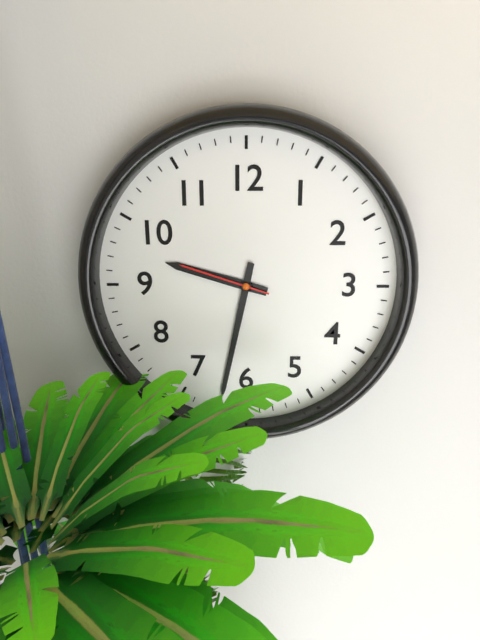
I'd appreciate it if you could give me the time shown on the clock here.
9:32:48
